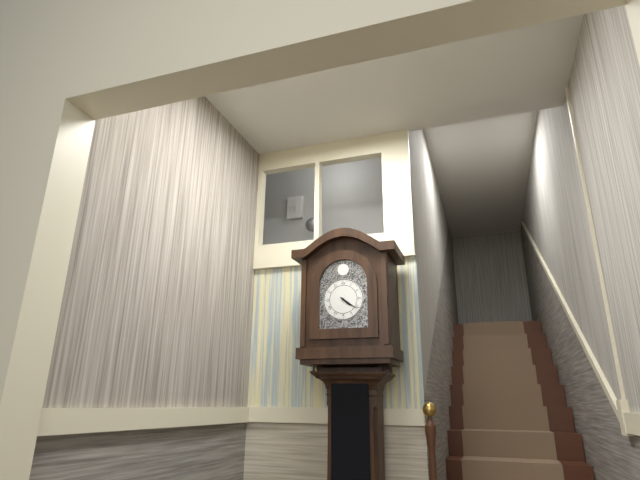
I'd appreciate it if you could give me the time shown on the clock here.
4:21
